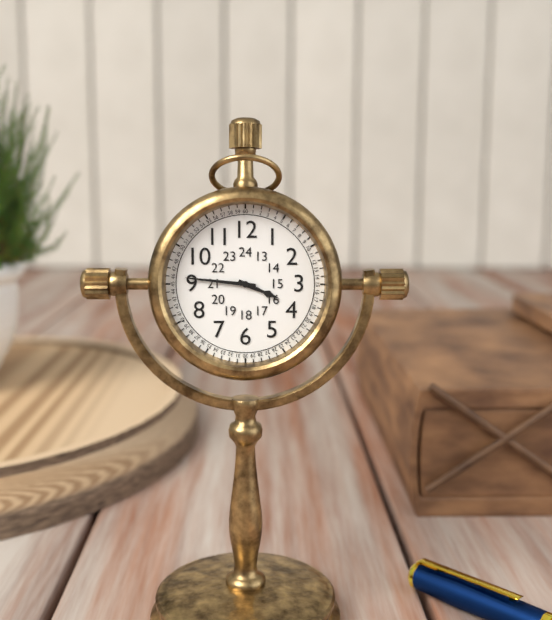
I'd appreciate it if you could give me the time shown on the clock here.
3:46
